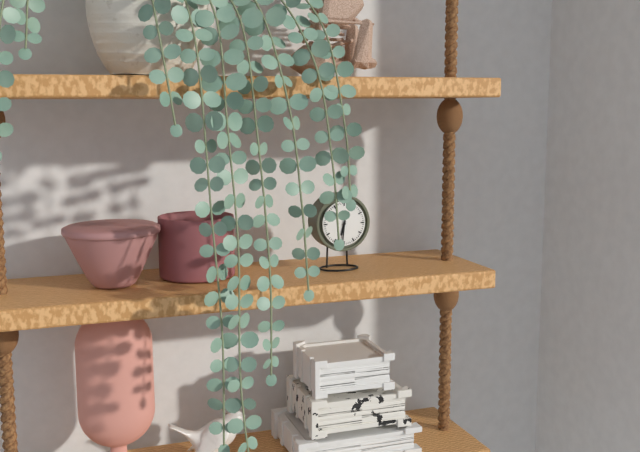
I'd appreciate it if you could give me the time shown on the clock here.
6:31
